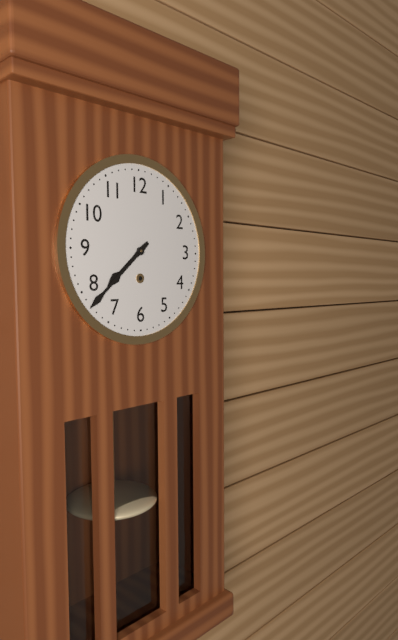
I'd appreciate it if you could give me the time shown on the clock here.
7:38
